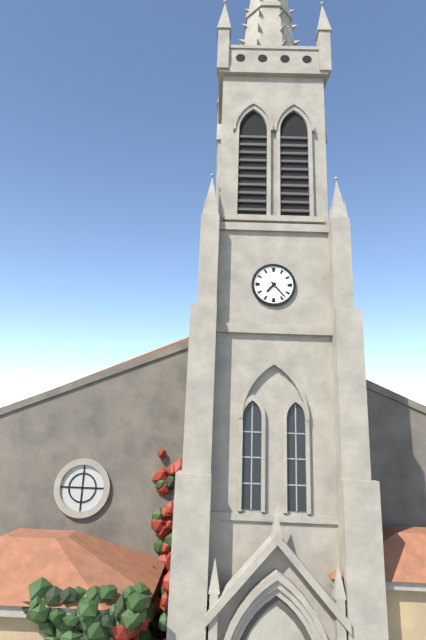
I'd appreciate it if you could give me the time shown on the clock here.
7:23
